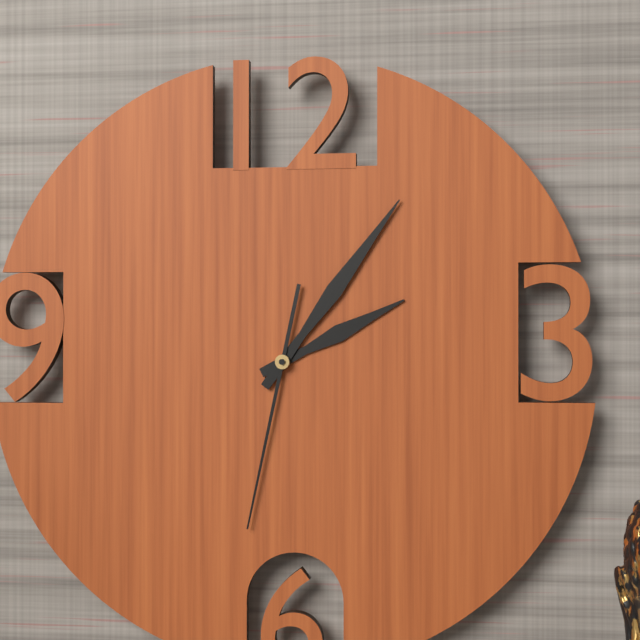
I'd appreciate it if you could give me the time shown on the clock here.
2:06:32
